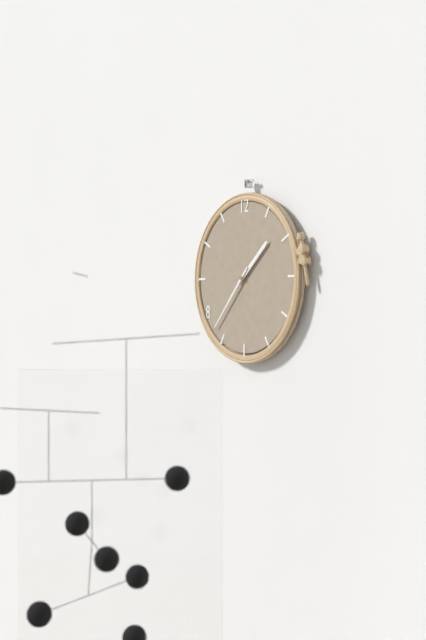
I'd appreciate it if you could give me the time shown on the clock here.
1:37
